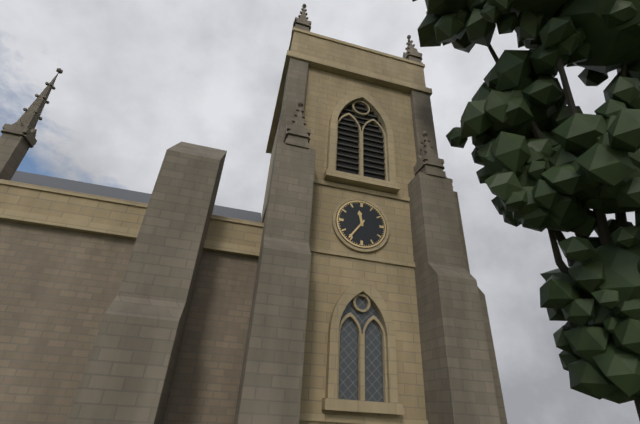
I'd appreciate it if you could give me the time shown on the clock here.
11:36
